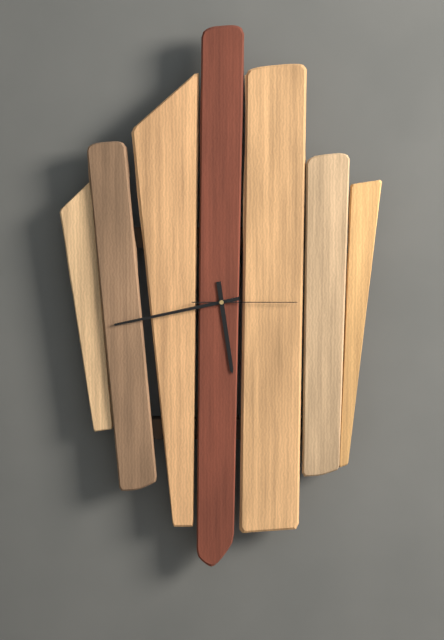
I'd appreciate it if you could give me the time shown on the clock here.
5:43:15
